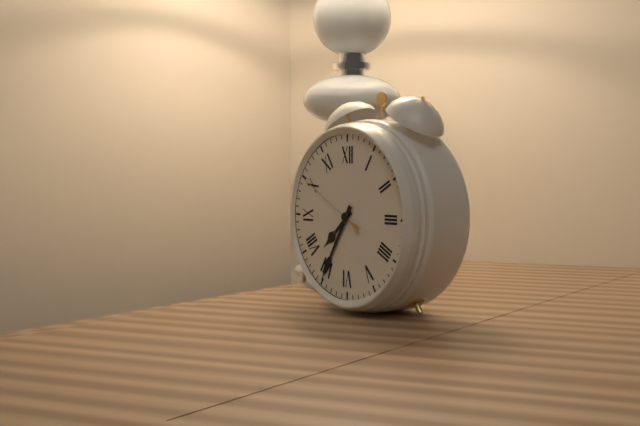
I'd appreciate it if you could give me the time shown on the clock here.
7:35:50
